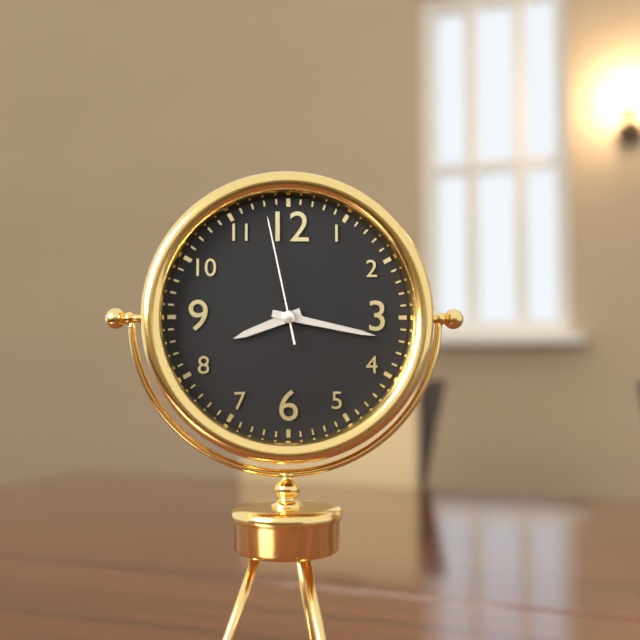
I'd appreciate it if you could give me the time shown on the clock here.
8:17:58
